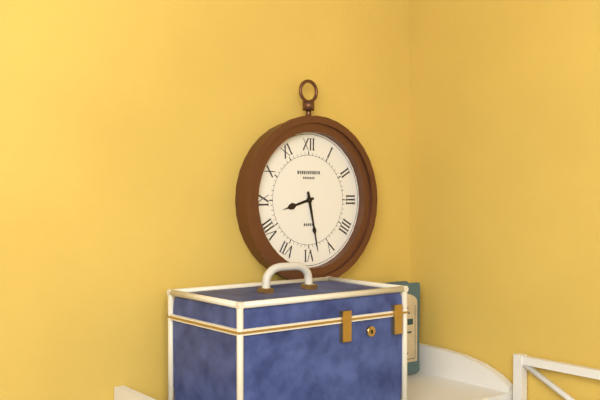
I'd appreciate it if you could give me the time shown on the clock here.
8:28
